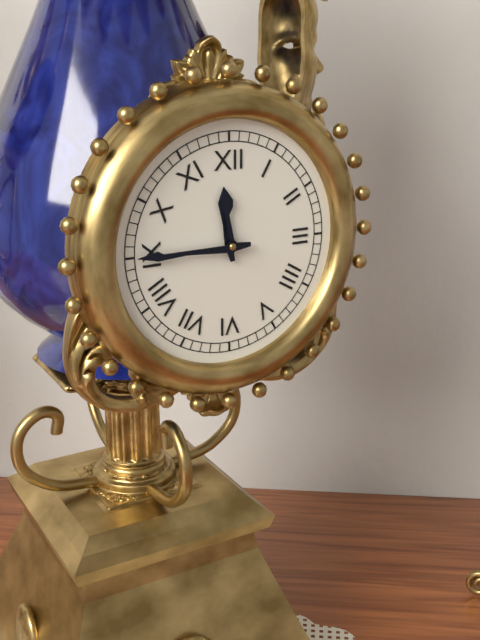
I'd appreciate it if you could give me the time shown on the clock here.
11:45
